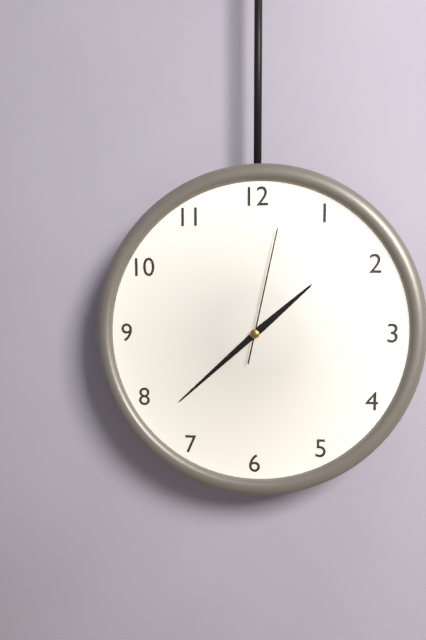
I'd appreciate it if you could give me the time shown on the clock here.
1:38:02
